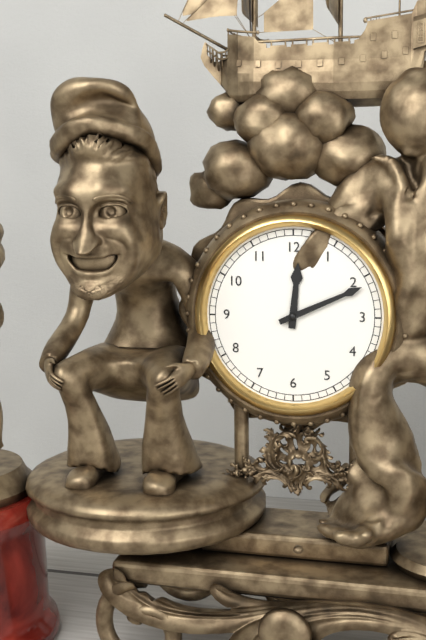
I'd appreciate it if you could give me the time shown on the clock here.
12:11
